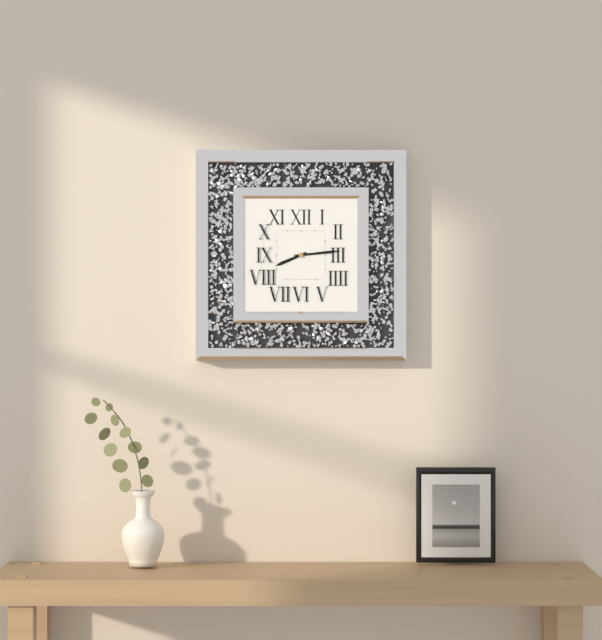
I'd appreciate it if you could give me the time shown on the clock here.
8:14
